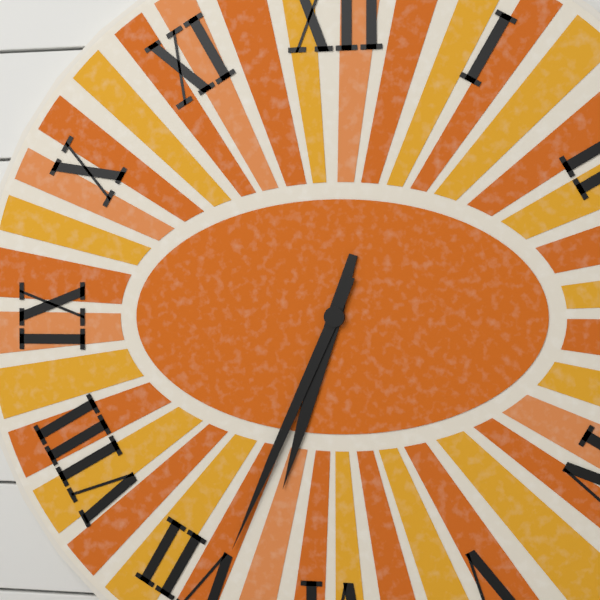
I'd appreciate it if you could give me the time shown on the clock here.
6:34
